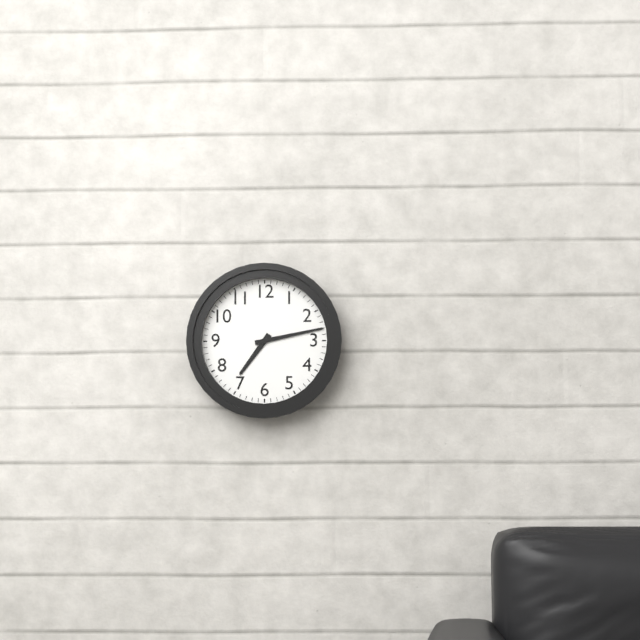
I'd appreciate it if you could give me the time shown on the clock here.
7:13
